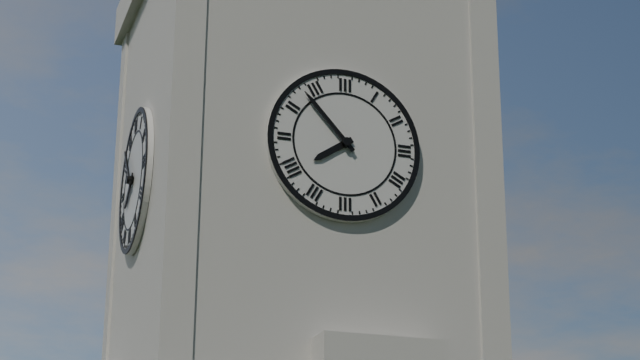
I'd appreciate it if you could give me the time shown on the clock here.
7:53
